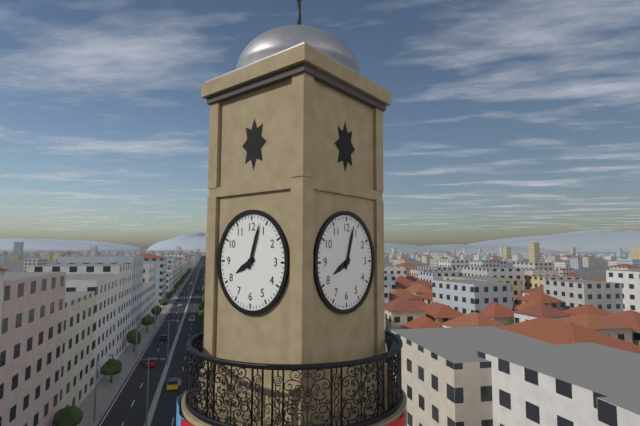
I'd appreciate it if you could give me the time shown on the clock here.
8:03
